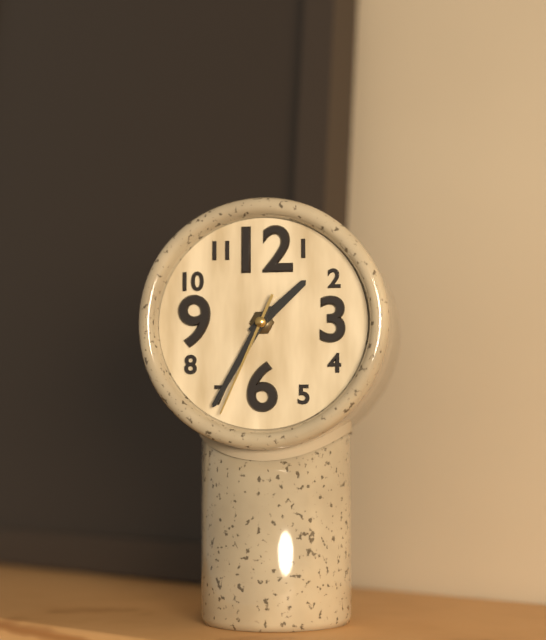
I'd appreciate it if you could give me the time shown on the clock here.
1:35:34
